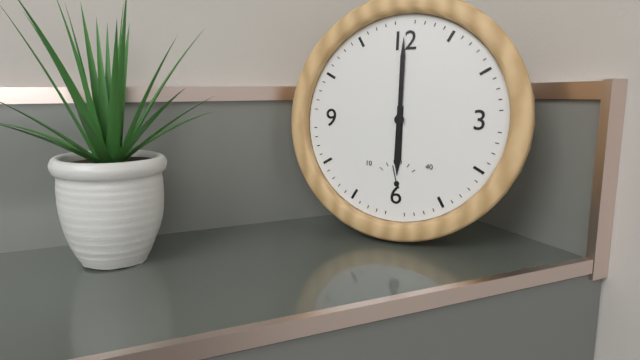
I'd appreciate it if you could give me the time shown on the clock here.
6:00
